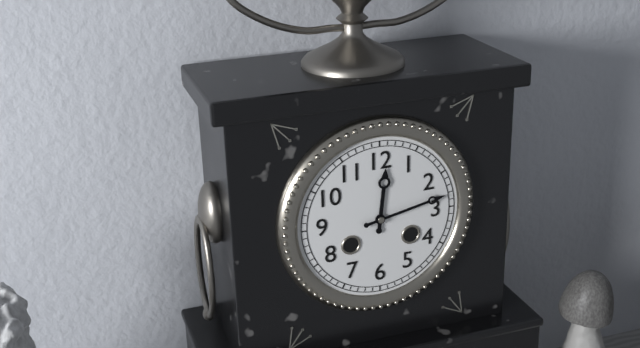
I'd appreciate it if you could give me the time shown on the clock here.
12:13
